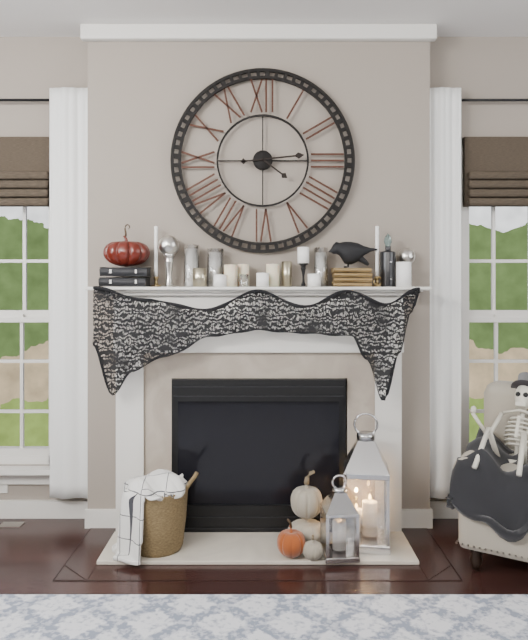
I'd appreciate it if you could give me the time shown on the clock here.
4:14
